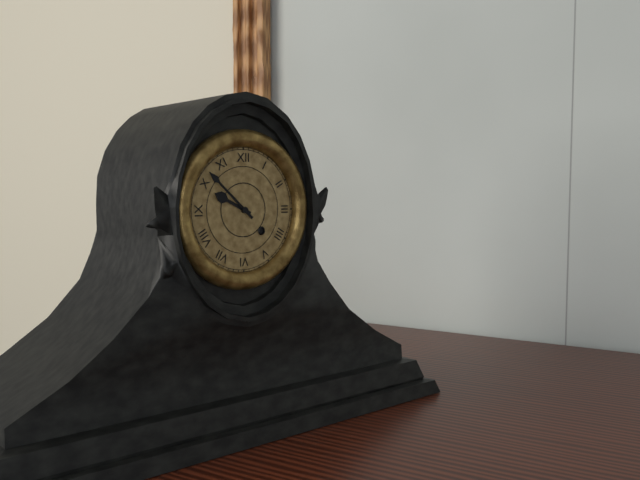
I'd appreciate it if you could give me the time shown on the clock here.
9:52
